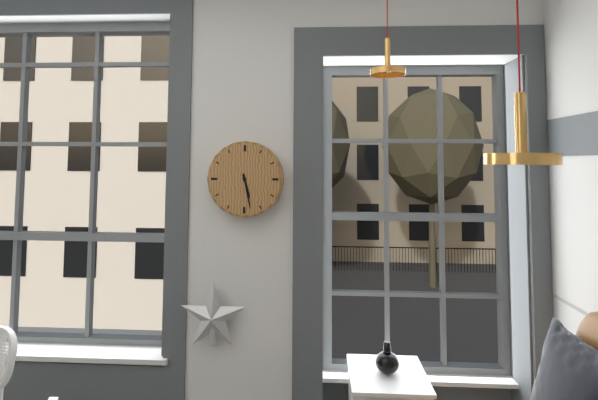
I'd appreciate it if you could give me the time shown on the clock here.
5:28
